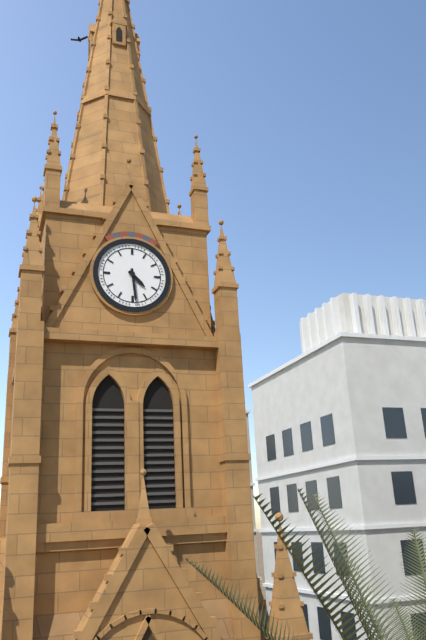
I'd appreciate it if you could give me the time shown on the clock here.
4:29
